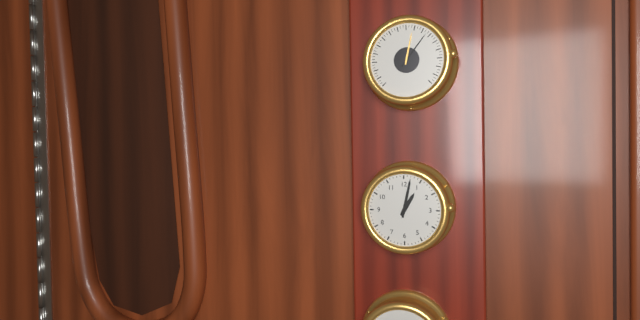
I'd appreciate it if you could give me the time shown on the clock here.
1:02
